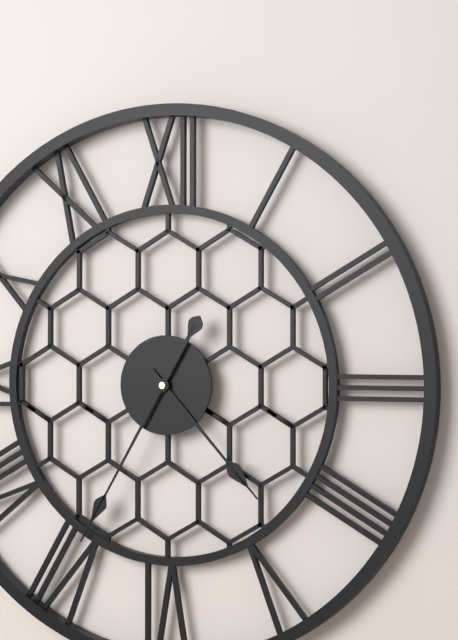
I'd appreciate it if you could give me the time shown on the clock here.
4:35
